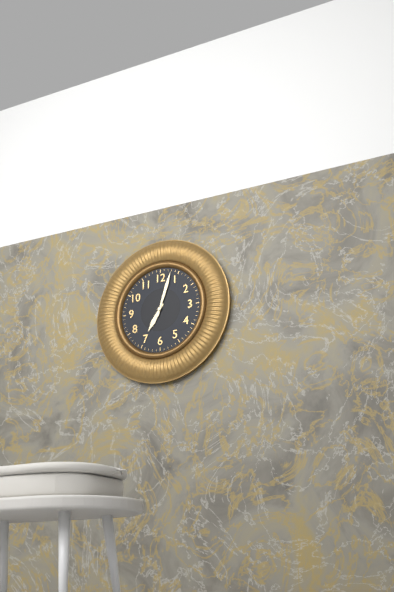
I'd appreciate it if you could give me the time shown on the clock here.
7:03
